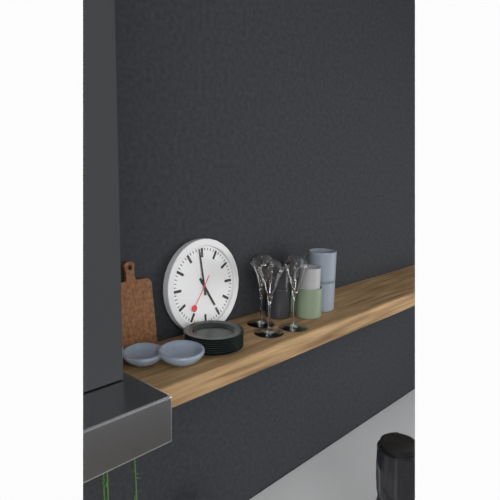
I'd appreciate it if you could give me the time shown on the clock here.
4:59
